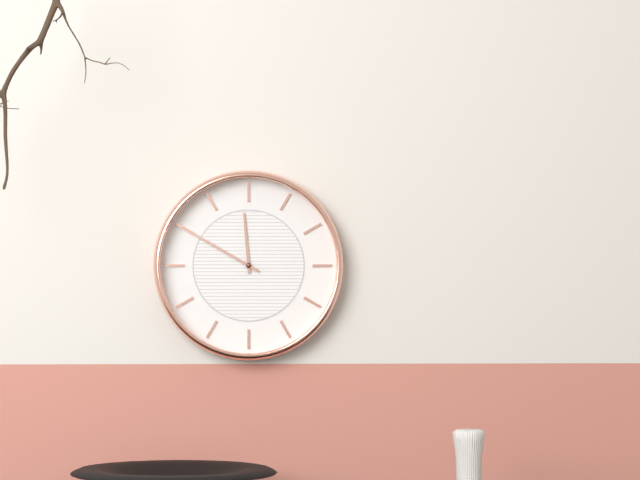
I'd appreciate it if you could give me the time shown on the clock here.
11:50
